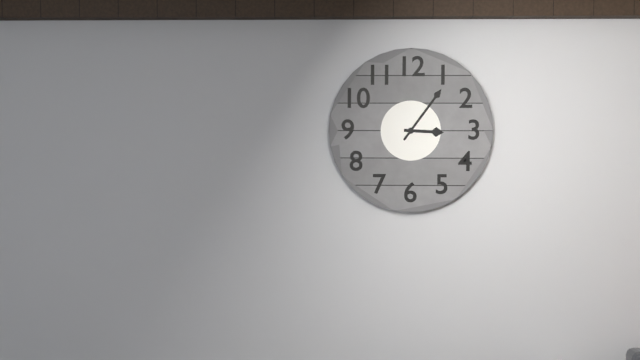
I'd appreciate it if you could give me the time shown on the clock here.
3:06
